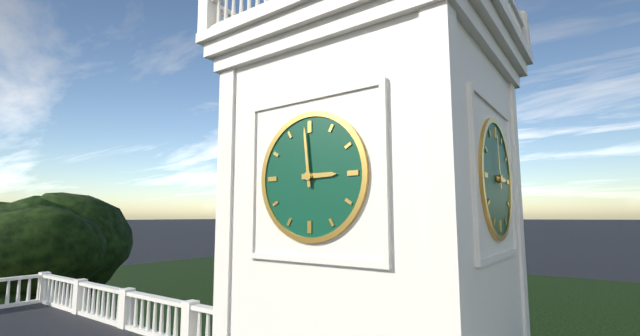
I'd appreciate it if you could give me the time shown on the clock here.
2:59
